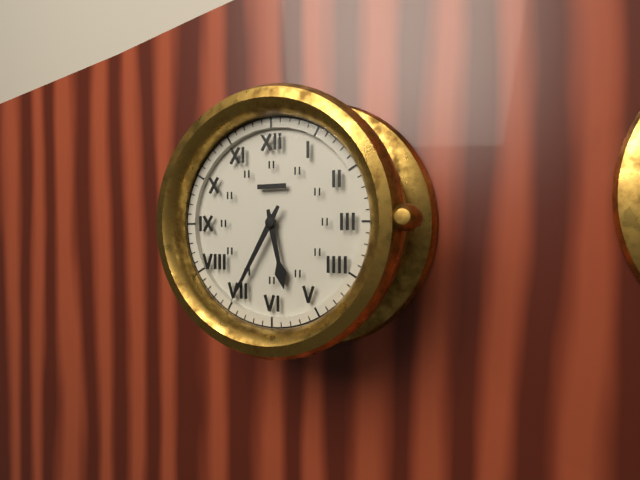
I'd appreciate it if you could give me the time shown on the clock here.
5:35
